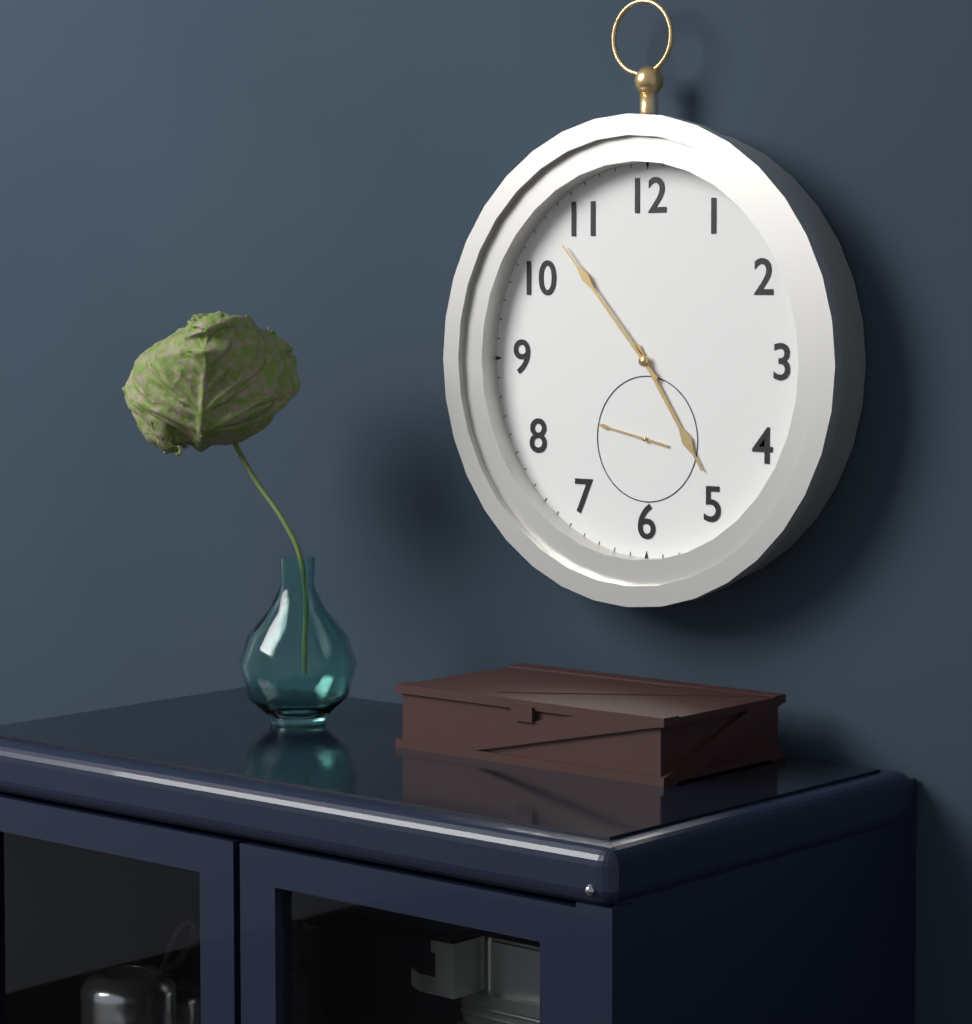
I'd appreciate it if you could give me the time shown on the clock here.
4:53:47
